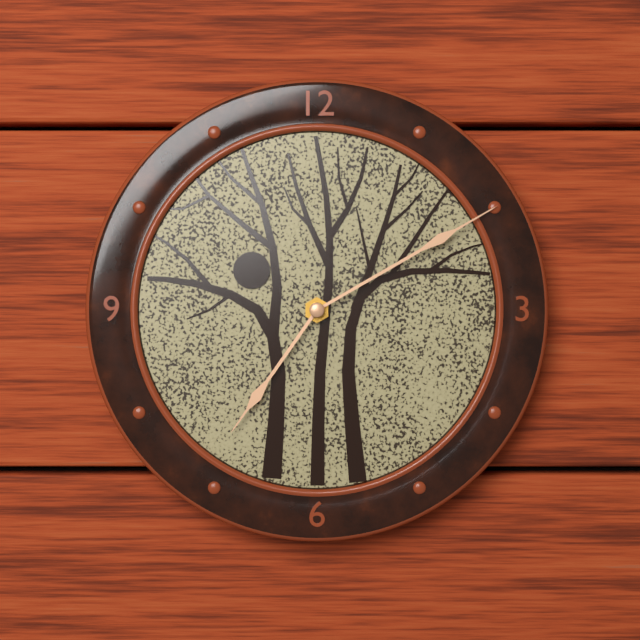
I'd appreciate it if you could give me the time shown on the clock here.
7:10
